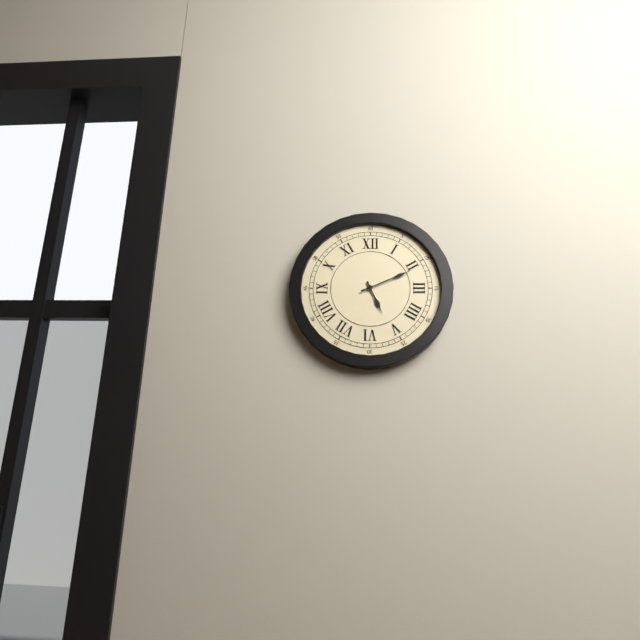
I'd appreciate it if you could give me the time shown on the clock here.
5:11
